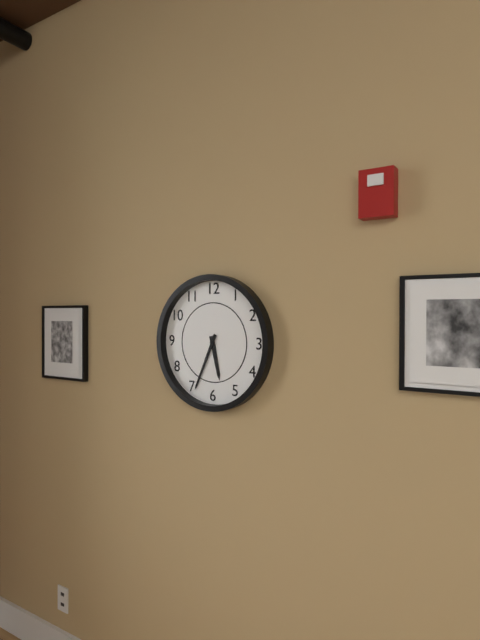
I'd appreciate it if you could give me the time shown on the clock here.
5:34
